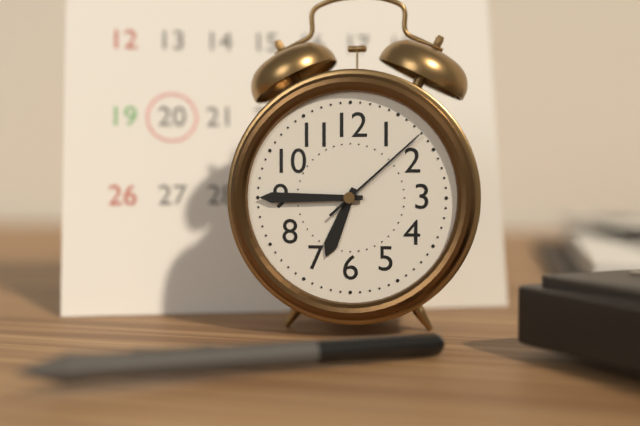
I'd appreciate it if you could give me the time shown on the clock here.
6:45:08
